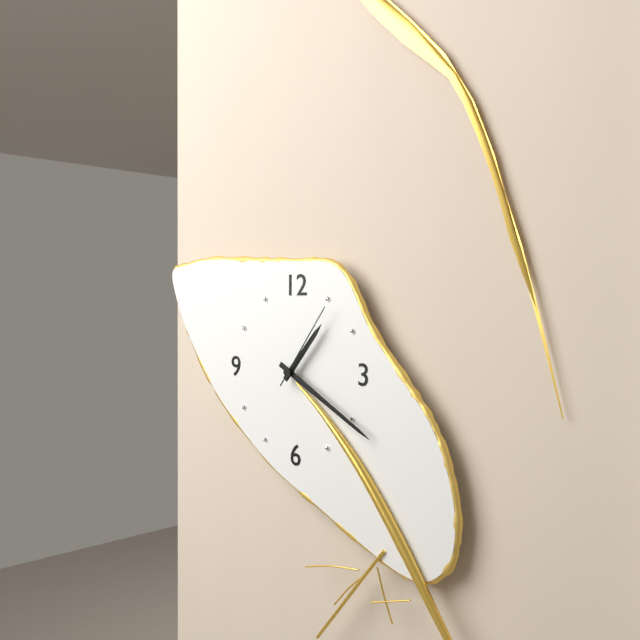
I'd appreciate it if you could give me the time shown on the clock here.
1:20:06
